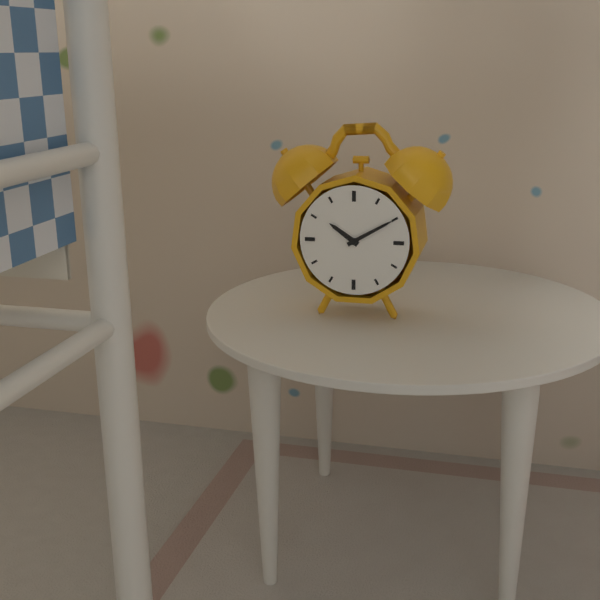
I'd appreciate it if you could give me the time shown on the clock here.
10:10
